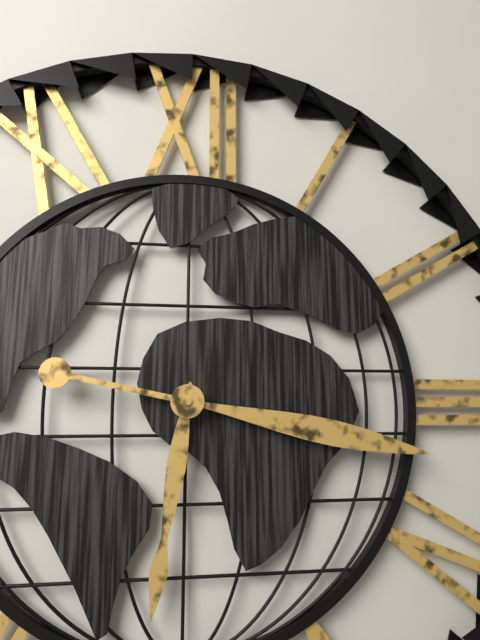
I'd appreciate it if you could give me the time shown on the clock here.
6:17
